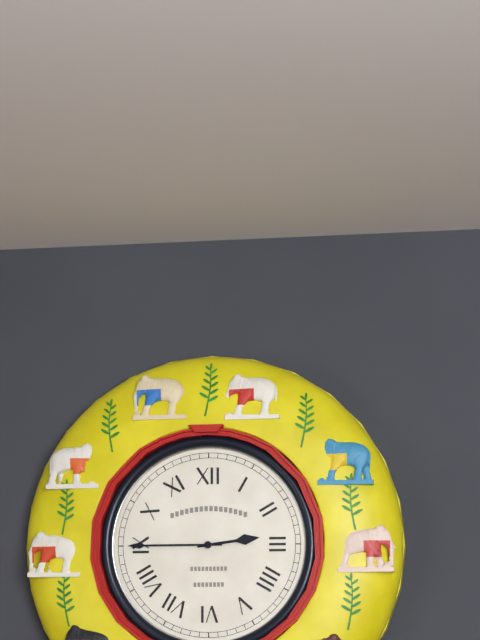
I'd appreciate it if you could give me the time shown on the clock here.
2:45
